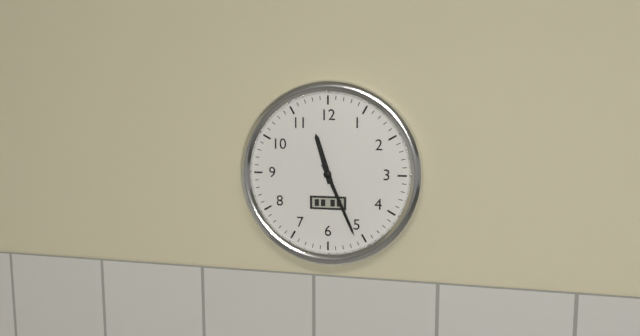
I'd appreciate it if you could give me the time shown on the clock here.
11:26
